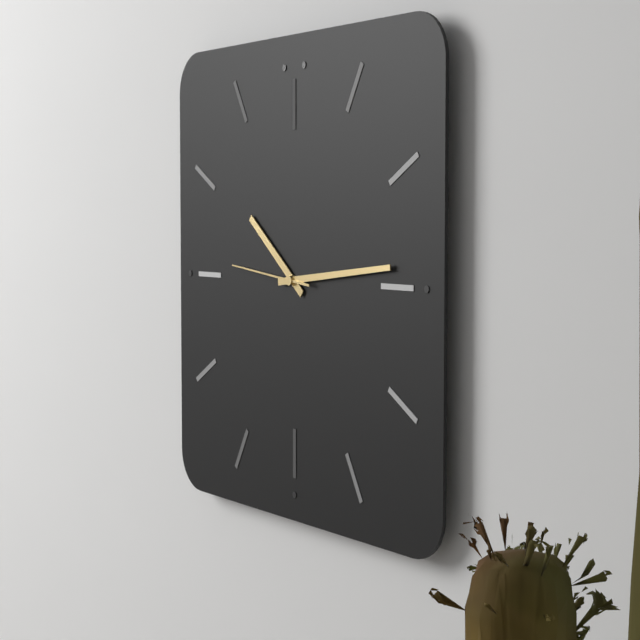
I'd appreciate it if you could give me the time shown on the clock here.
10:14:46
